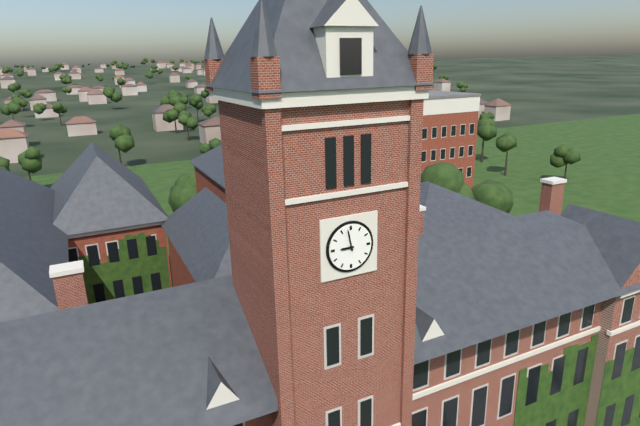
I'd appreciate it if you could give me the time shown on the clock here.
8:58
